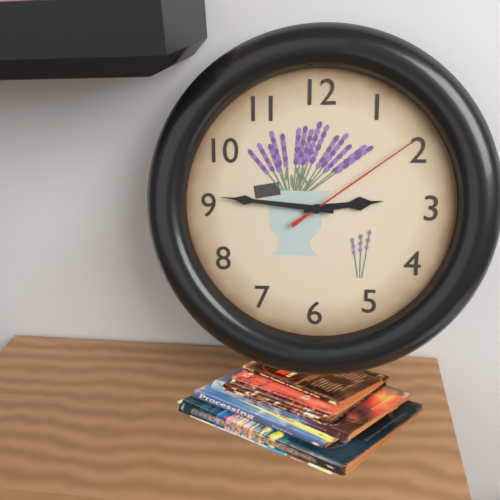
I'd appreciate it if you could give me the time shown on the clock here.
2:46:09
